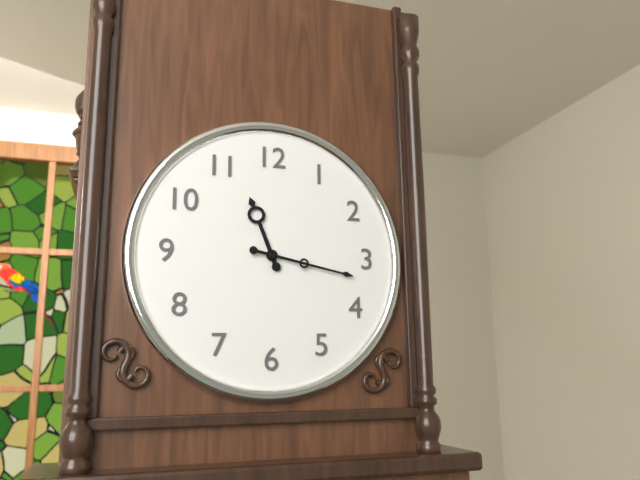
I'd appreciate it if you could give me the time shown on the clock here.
11:17
